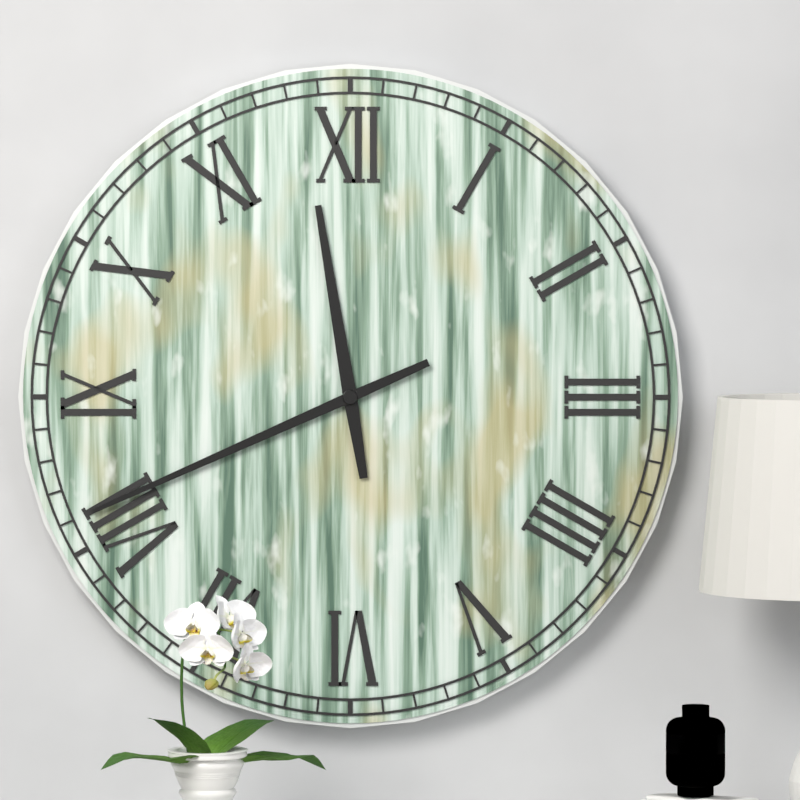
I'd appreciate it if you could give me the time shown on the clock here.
11:41
